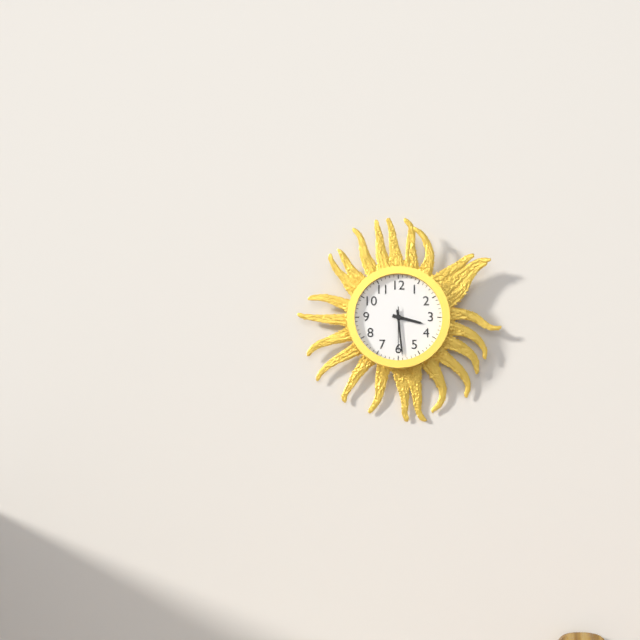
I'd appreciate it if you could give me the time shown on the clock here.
3:29
